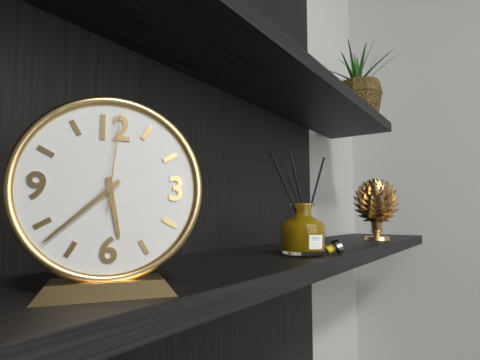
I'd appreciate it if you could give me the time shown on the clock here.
5:38:01
